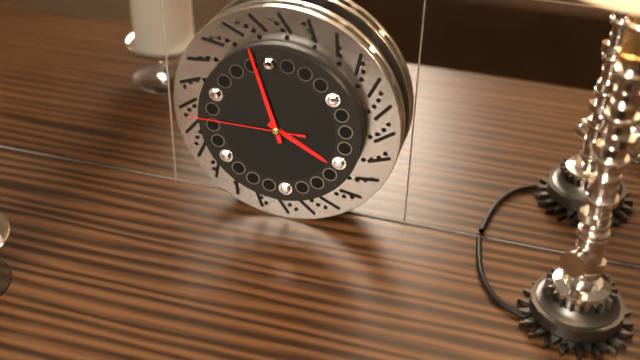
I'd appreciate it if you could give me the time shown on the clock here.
3:57:45
